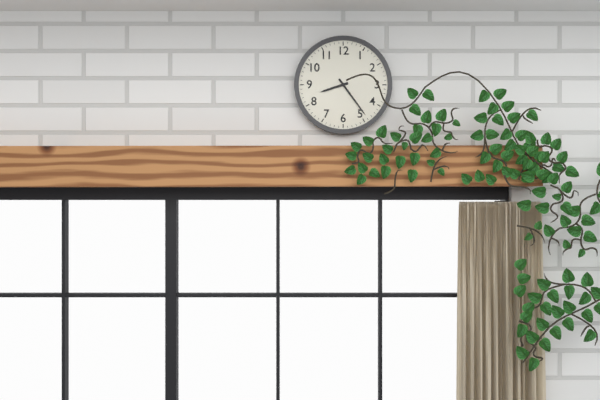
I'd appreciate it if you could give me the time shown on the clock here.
8:24
